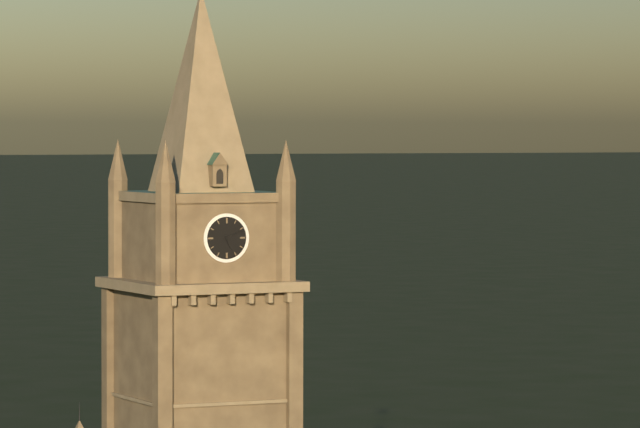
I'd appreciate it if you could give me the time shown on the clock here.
5:11
